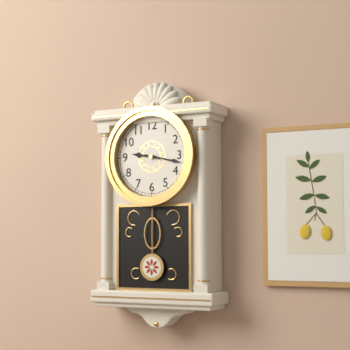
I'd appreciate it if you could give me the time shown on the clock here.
9:17
